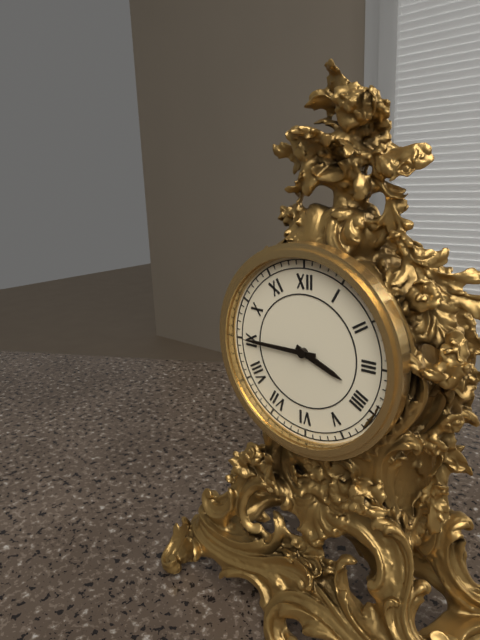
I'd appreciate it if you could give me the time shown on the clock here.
3:45
